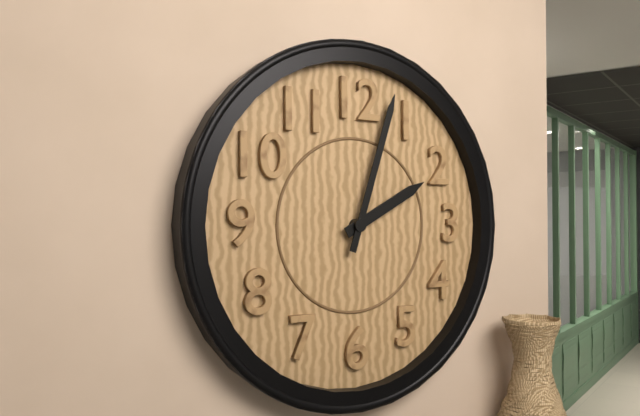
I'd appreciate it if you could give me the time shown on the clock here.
2:03
